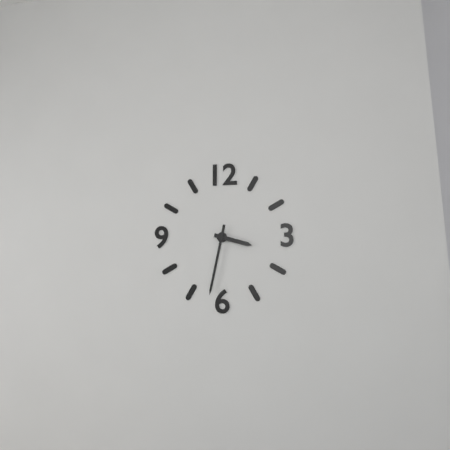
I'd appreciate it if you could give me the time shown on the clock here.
3:32
